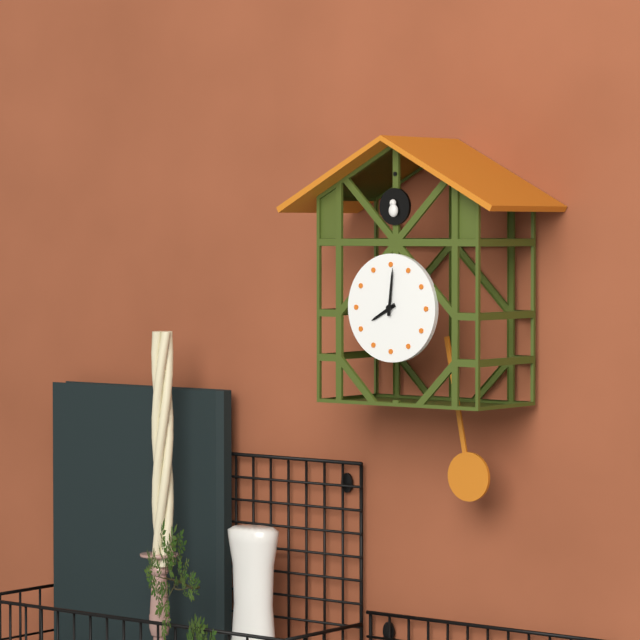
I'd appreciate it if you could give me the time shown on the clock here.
8:01
